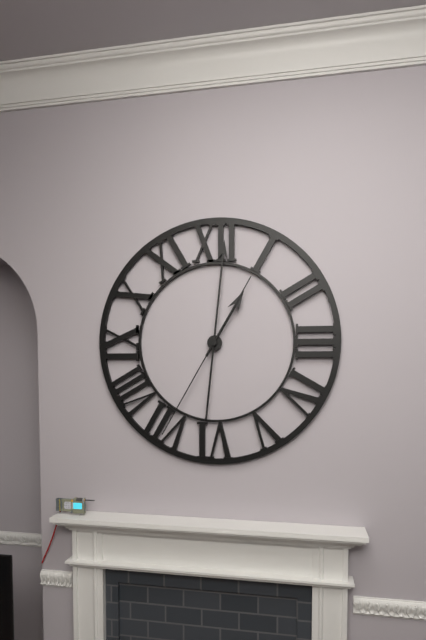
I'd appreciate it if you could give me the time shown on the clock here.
1:01:35
